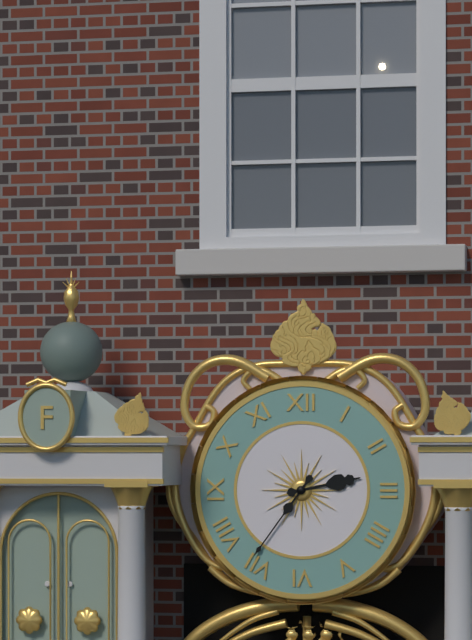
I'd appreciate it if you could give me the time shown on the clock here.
2:36
